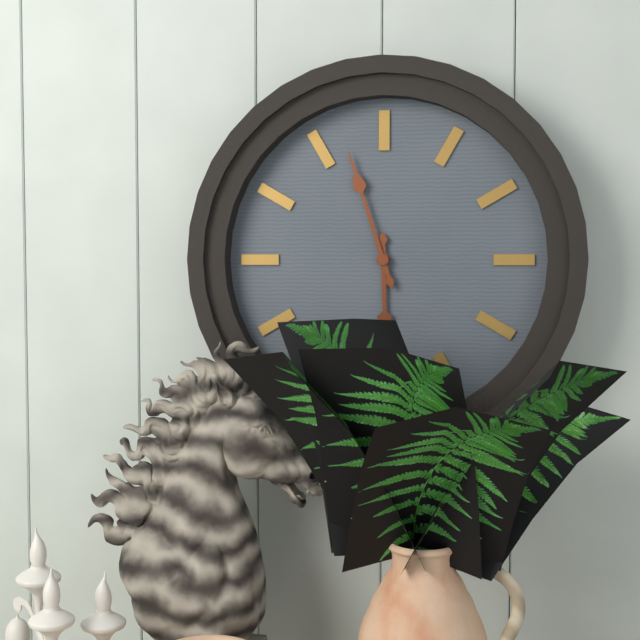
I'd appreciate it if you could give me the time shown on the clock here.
5:57
